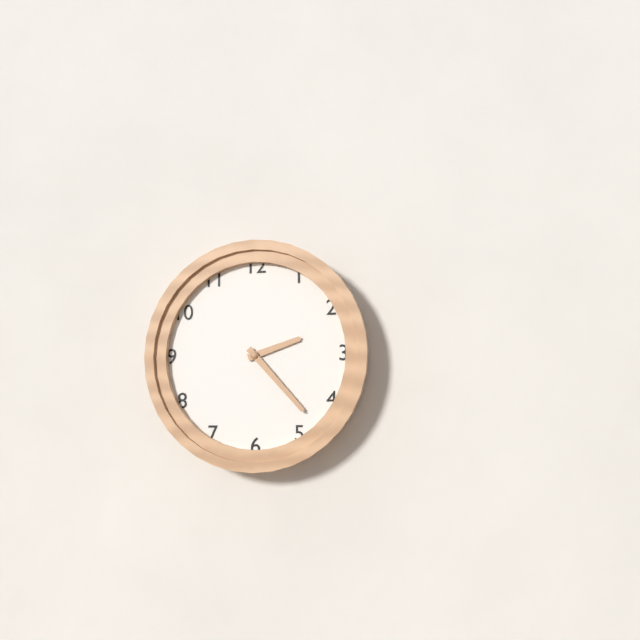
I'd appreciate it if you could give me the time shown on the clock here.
2:23
